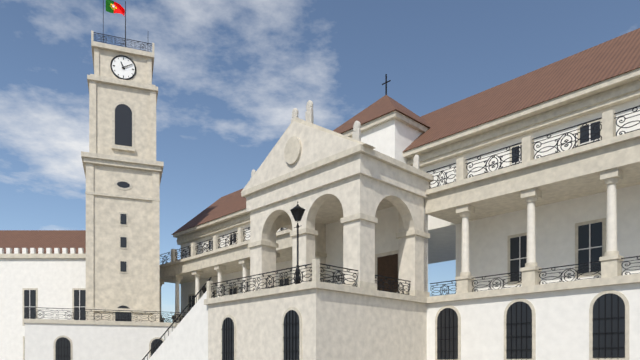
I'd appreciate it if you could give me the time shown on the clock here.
11:10
